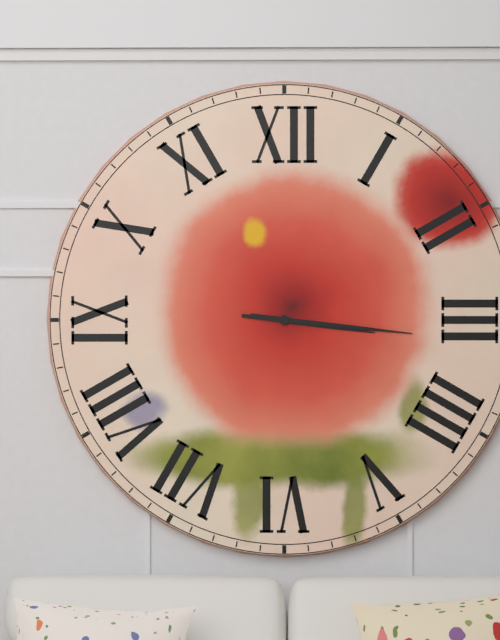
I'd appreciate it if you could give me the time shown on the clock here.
3:16
